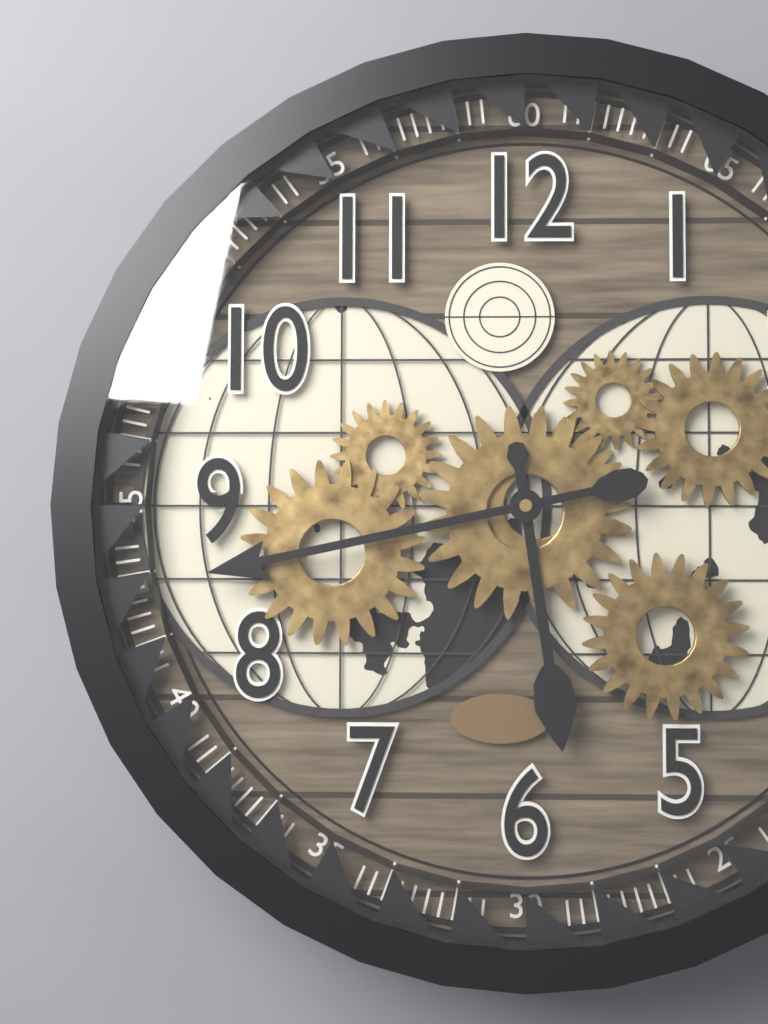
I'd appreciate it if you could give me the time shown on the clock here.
5:43
